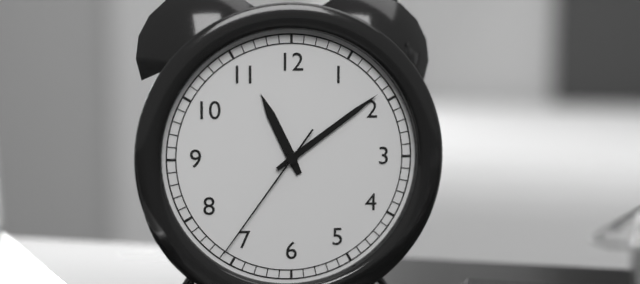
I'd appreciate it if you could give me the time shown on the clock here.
11:09:36
